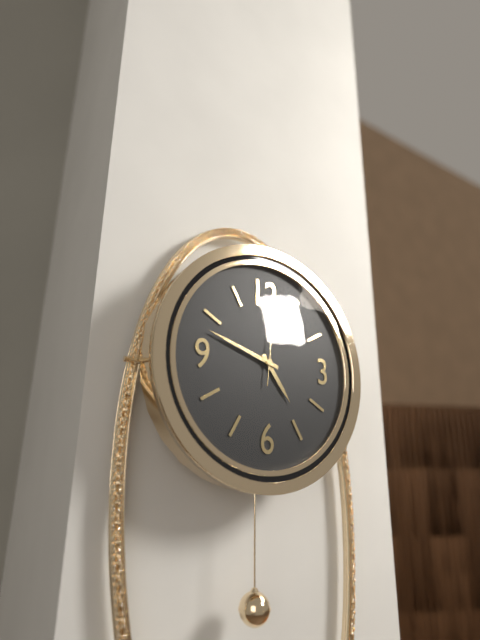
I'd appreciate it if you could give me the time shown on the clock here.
4:48:01
